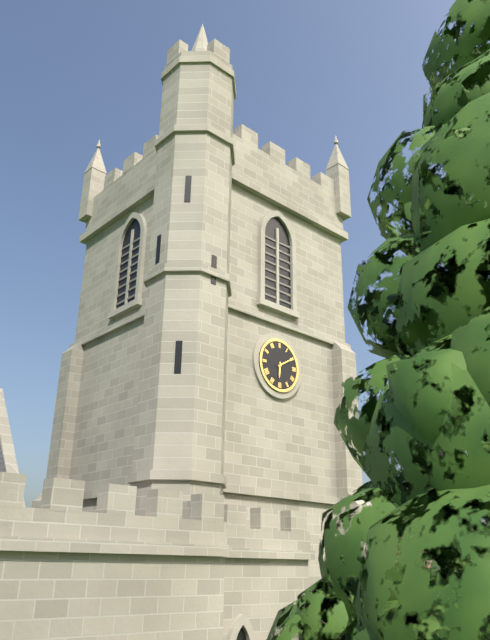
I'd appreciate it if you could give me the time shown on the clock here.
6:10
